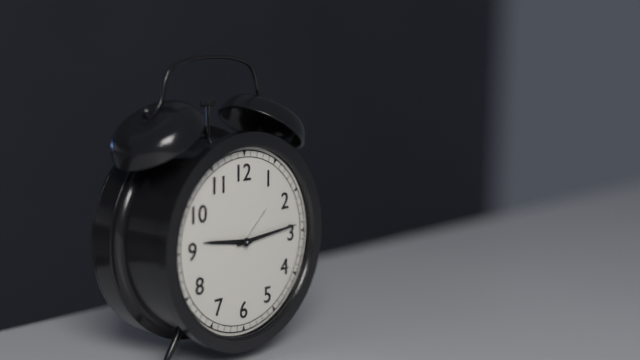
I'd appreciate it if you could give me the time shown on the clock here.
9:14
